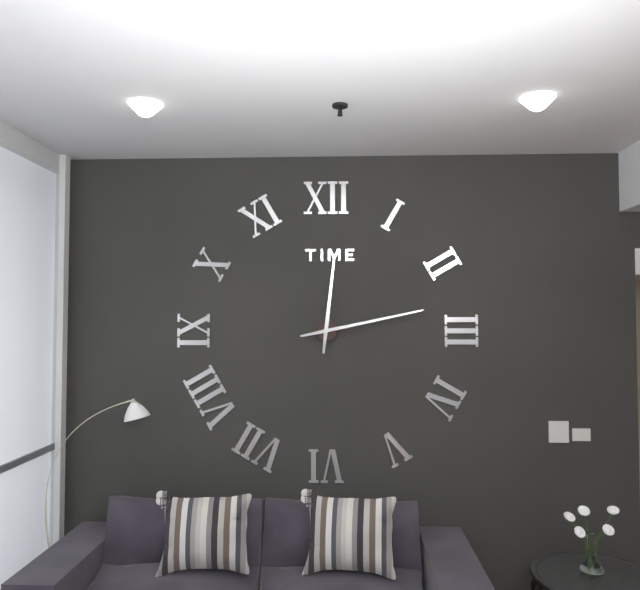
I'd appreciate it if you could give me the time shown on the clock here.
12:13
